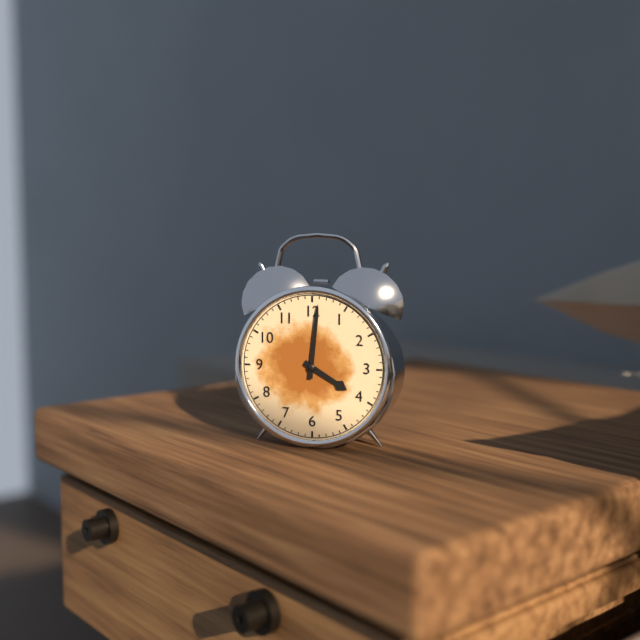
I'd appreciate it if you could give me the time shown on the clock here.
4:01
